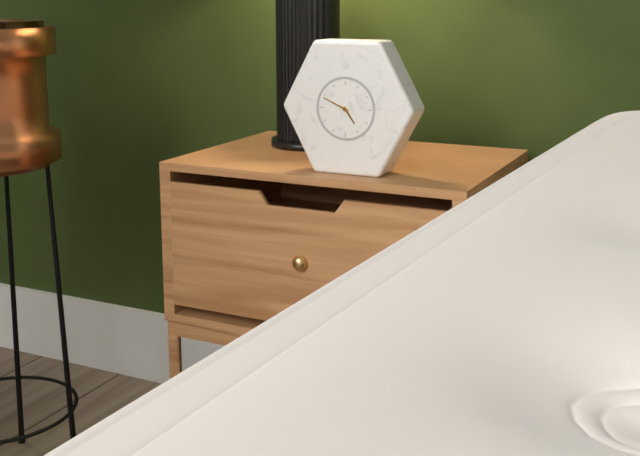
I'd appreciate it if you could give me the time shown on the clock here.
4:49
